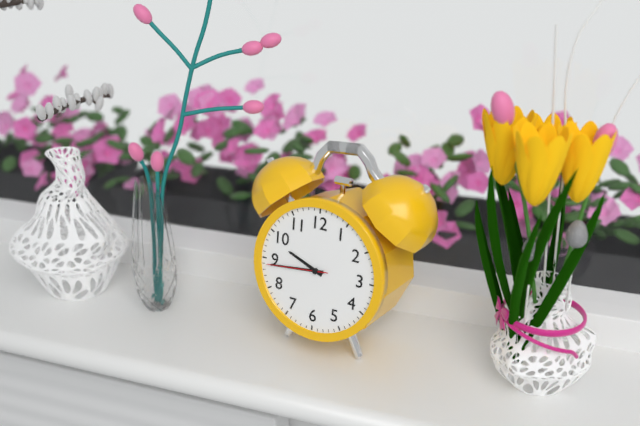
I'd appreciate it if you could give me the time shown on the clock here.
9:44:44
